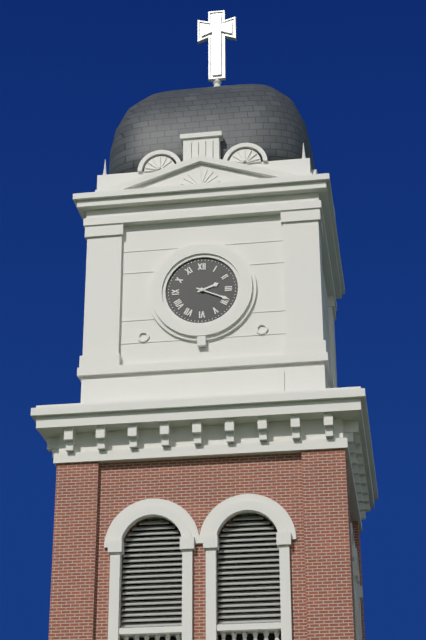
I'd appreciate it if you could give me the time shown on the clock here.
2:19
